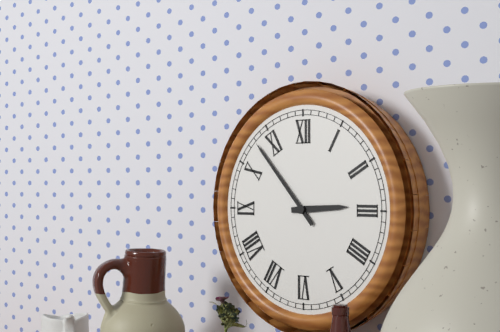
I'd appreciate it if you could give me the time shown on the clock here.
2:53
